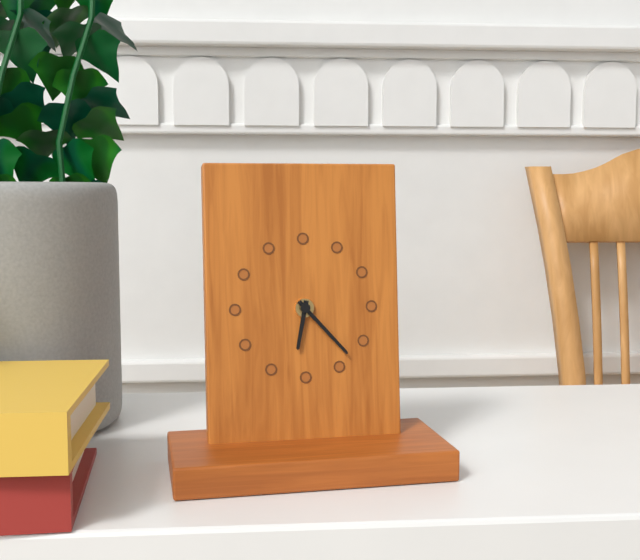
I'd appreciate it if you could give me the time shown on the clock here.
6:23
